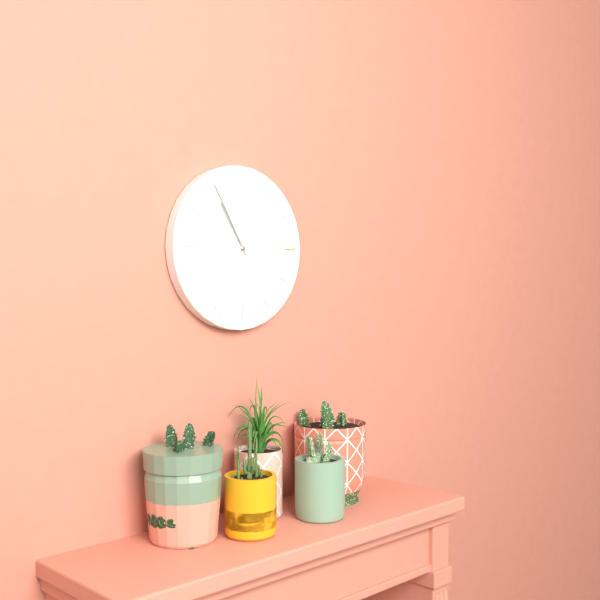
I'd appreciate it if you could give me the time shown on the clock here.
10:55
